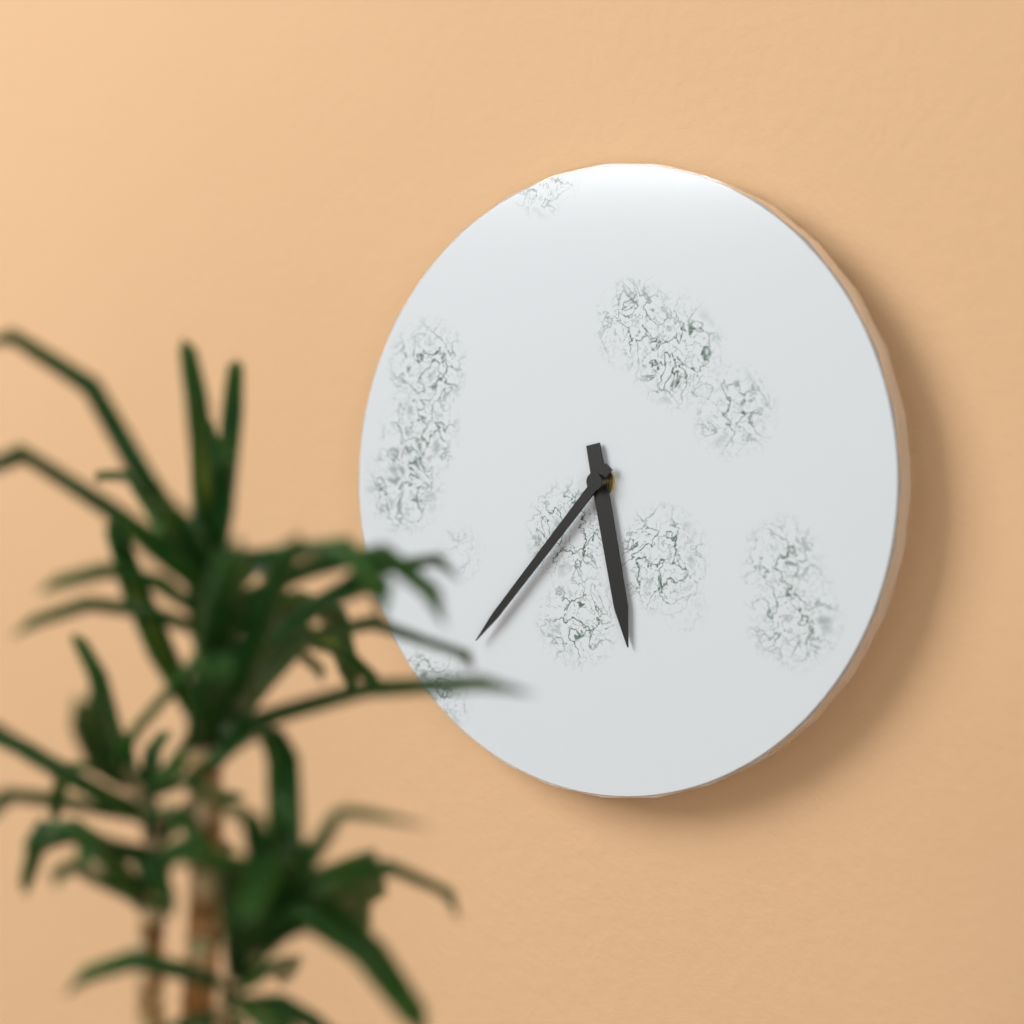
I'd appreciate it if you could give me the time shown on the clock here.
5:37
